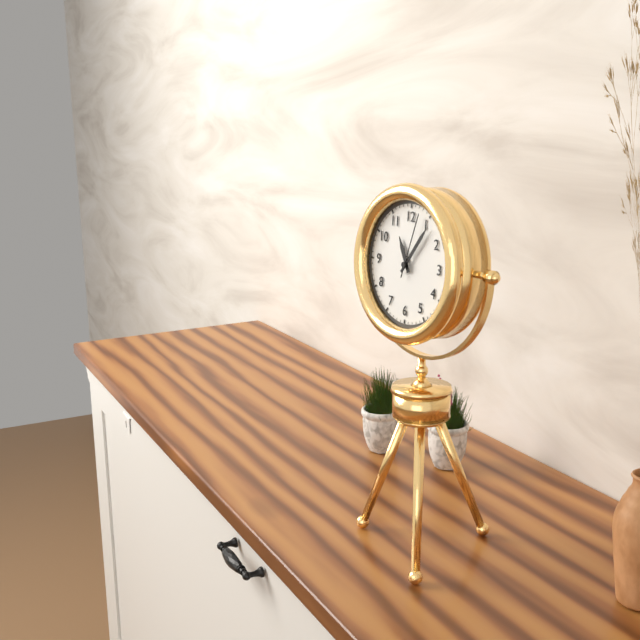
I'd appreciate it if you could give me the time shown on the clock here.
11:06:03
